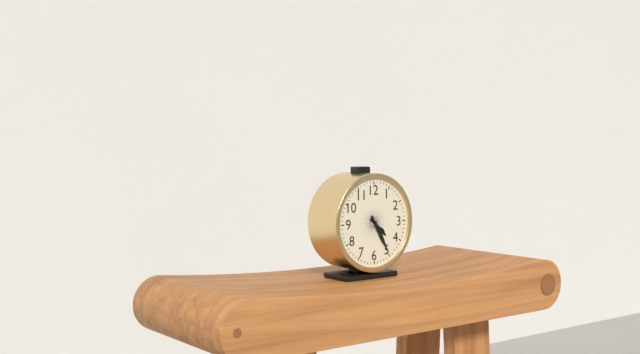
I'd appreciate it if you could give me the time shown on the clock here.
4:25
